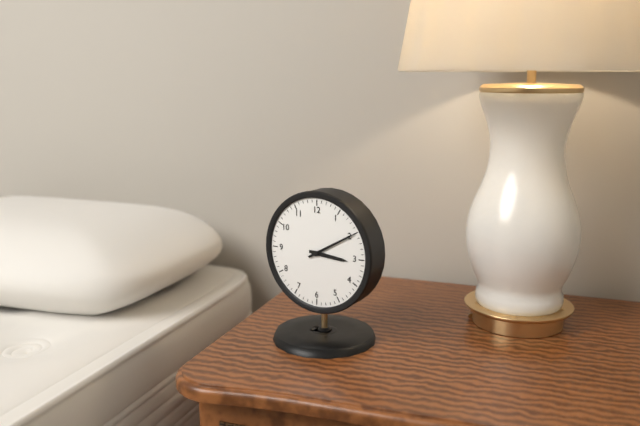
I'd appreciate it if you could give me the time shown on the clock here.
3:10
